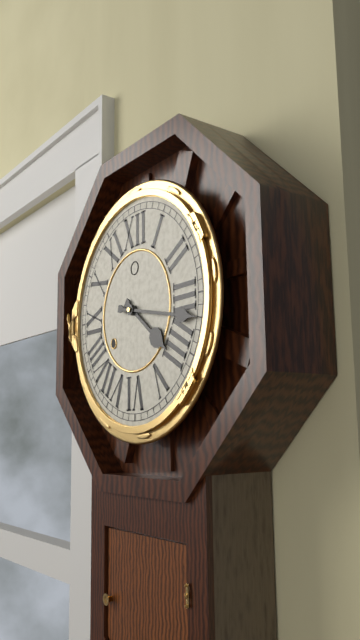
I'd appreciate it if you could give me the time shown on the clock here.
4:17
